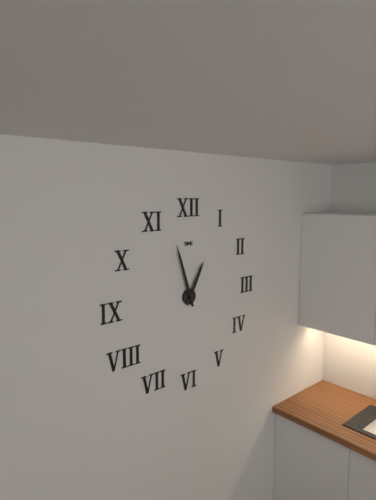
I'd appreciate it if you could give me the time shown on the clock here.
12:57
